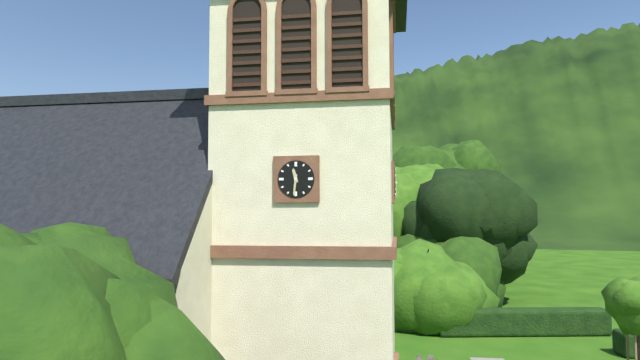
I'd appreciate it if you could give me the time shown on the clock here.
11:31
